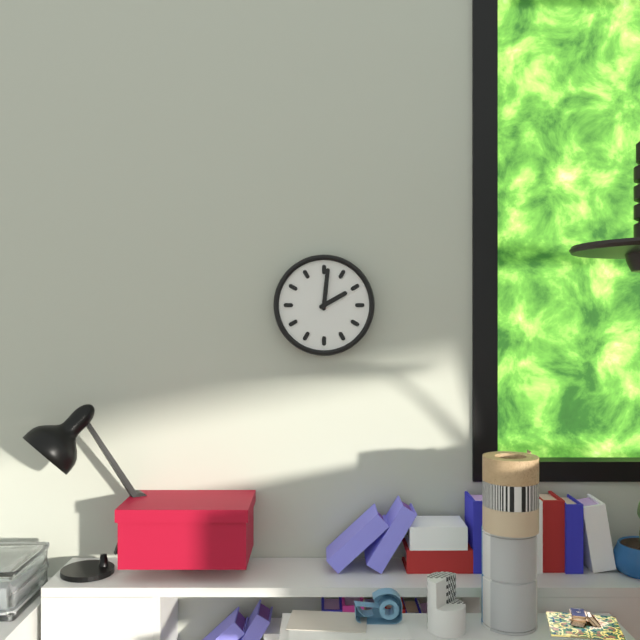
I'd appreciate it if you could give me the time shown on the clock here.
2:01
